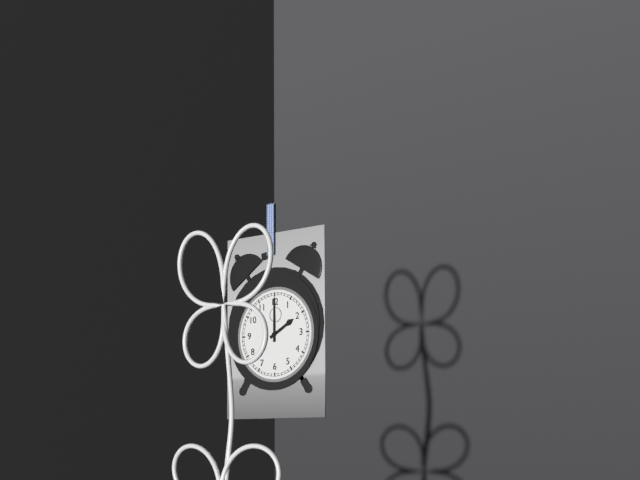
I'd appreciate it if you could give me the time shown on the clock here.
2:00
